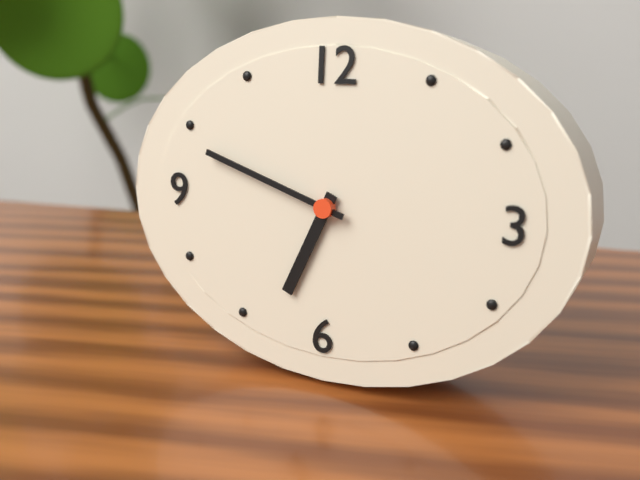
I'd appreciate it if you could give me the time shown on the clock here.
6:48
